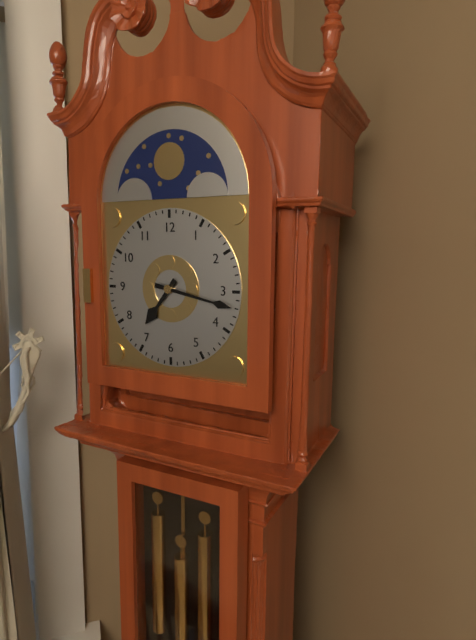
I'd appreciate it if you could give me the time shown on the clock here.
7:17
